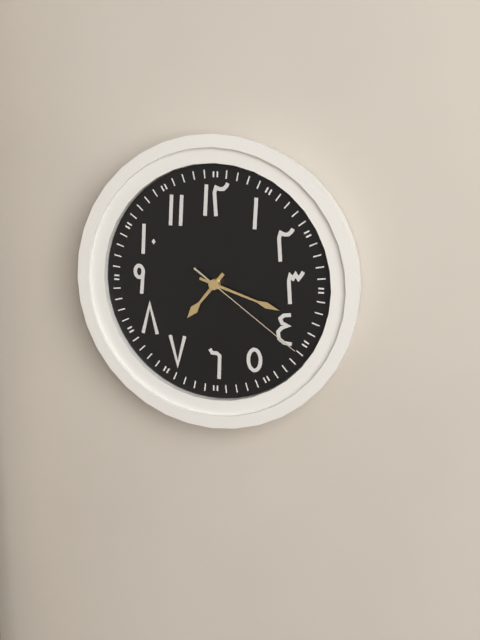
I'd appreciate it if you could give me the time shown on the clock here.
7:18:21
